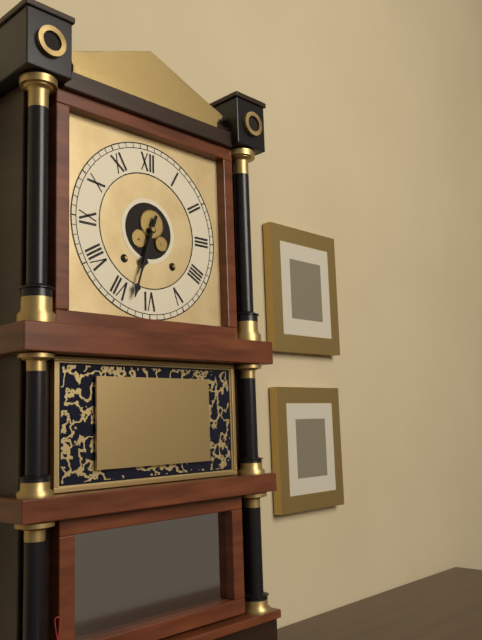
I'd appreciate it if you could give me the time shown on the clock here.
6:33
